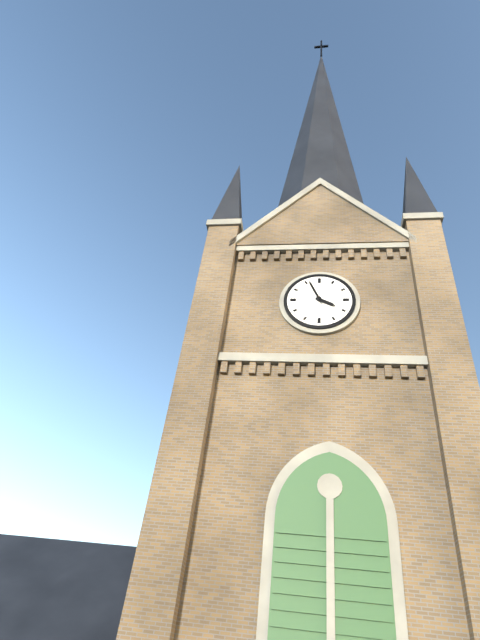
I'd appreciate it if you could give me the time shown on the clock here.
3:56
